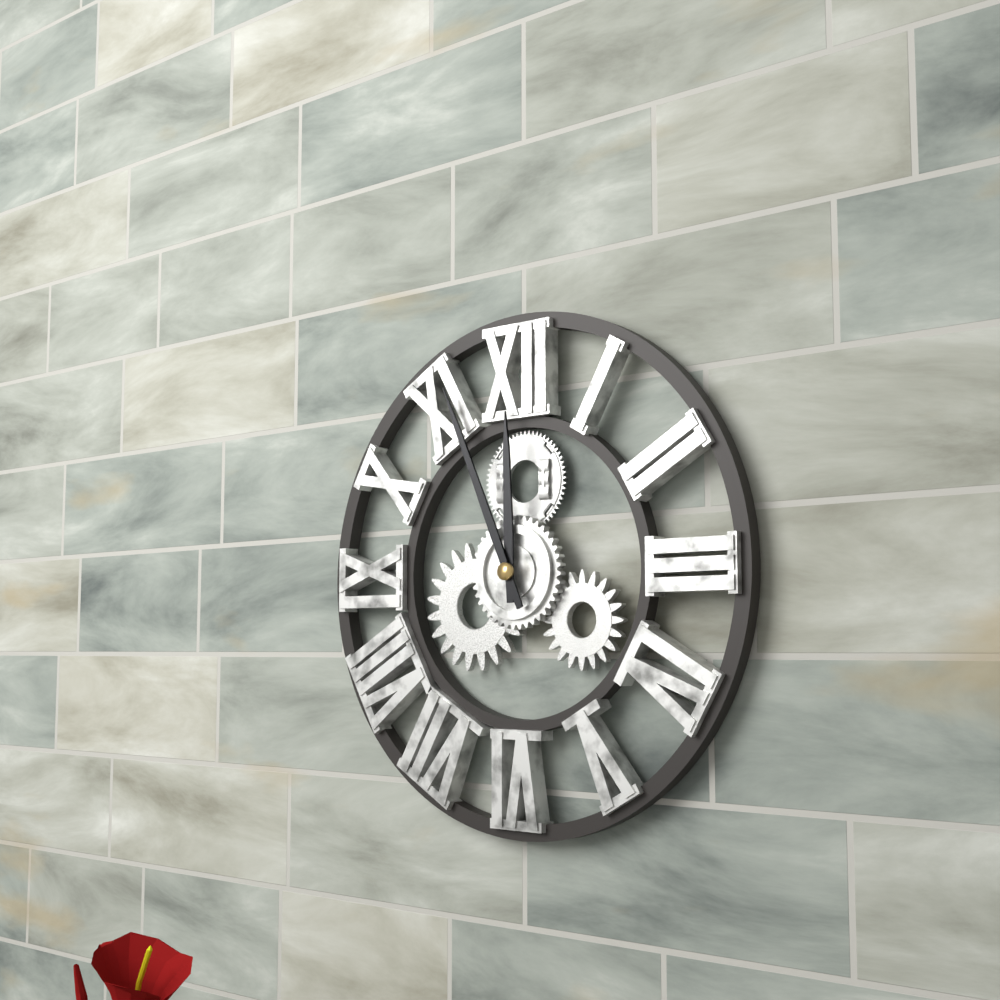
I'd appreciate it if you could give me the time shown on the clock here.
11:56
